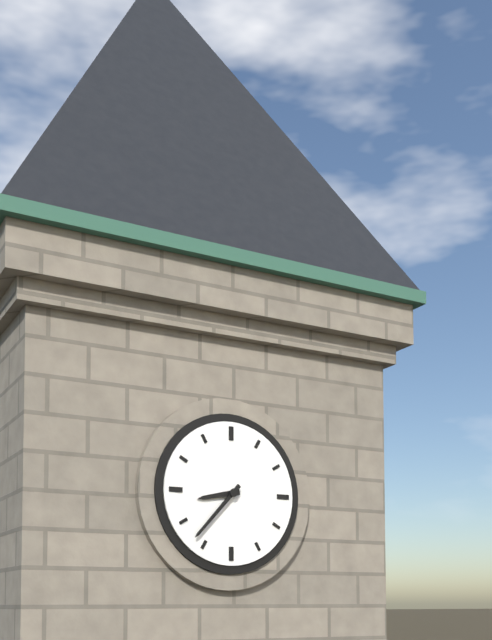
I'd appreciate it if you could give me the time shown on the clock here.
8:37
